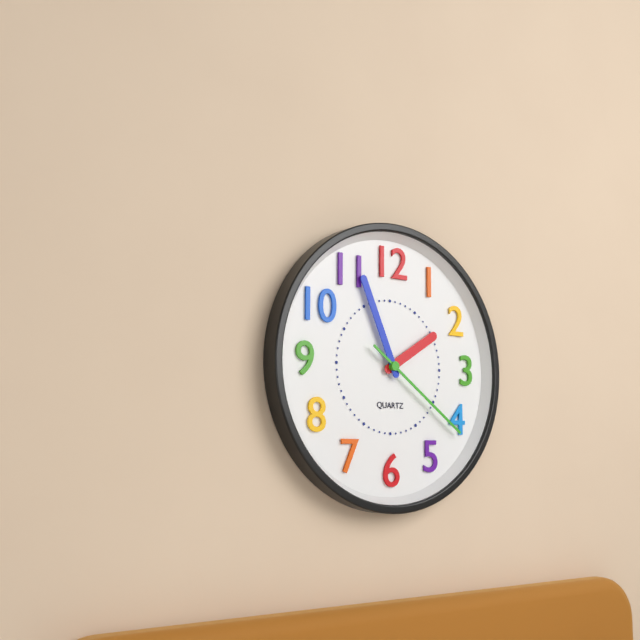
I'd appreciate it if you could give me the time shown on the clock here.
1:56:21
